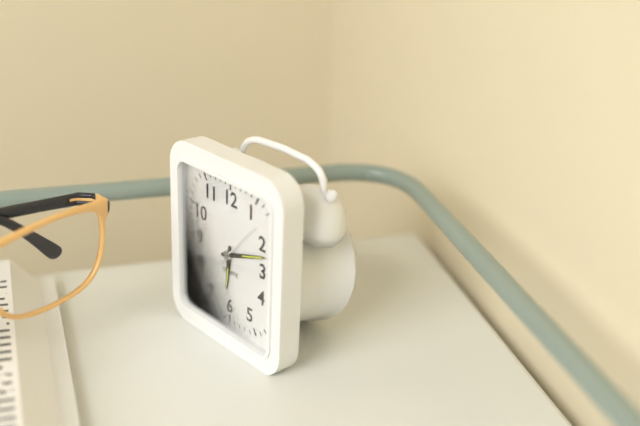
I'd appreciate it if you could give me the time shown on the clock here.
6:12
